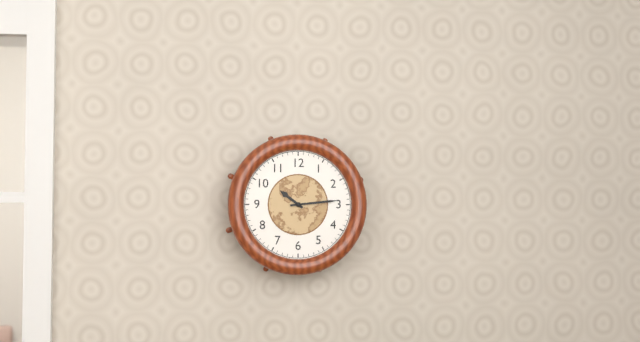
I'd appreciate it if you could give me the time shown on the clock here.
10:14
